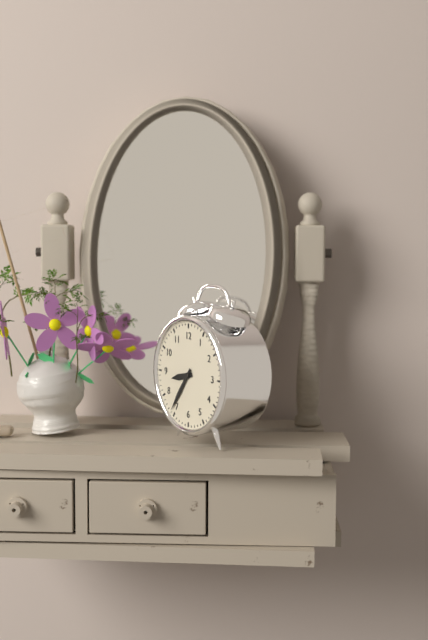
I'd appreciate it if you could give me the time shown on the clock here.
8:36
